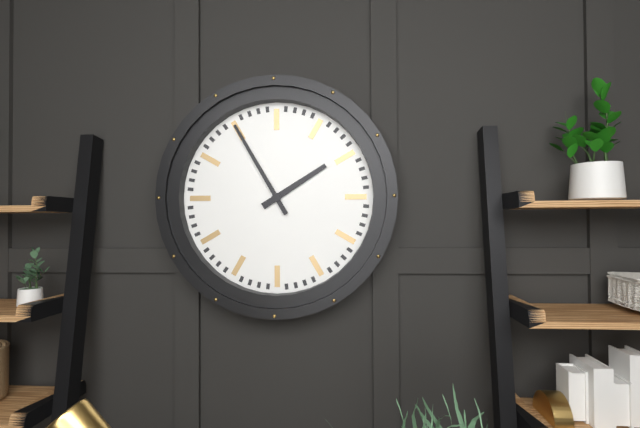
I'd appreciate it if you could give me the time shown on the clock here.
1:55
